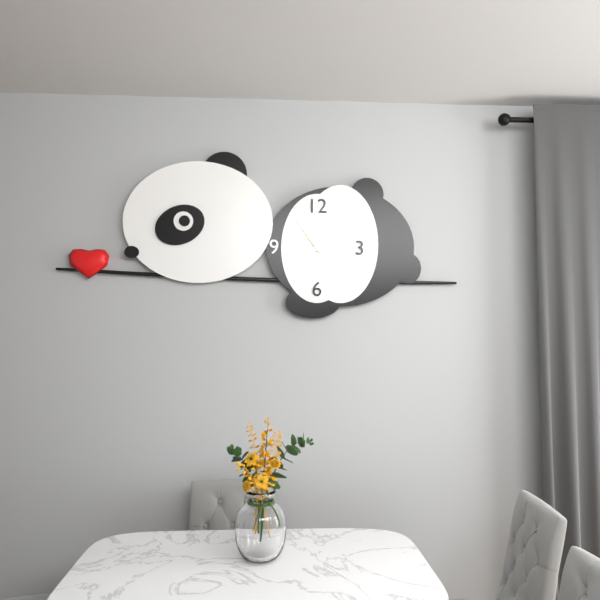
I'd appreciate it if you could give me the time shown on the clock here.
1:54
